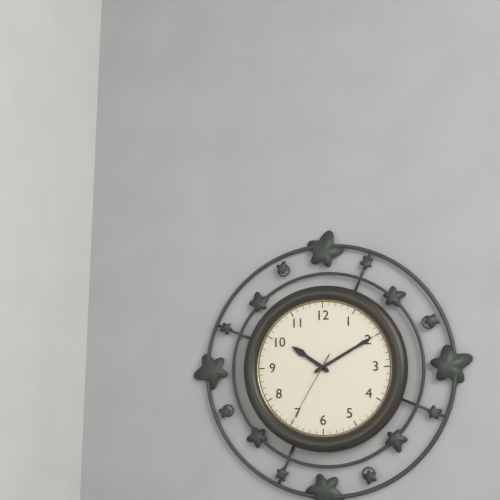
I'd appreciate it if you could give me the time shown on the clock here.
10:10:35
